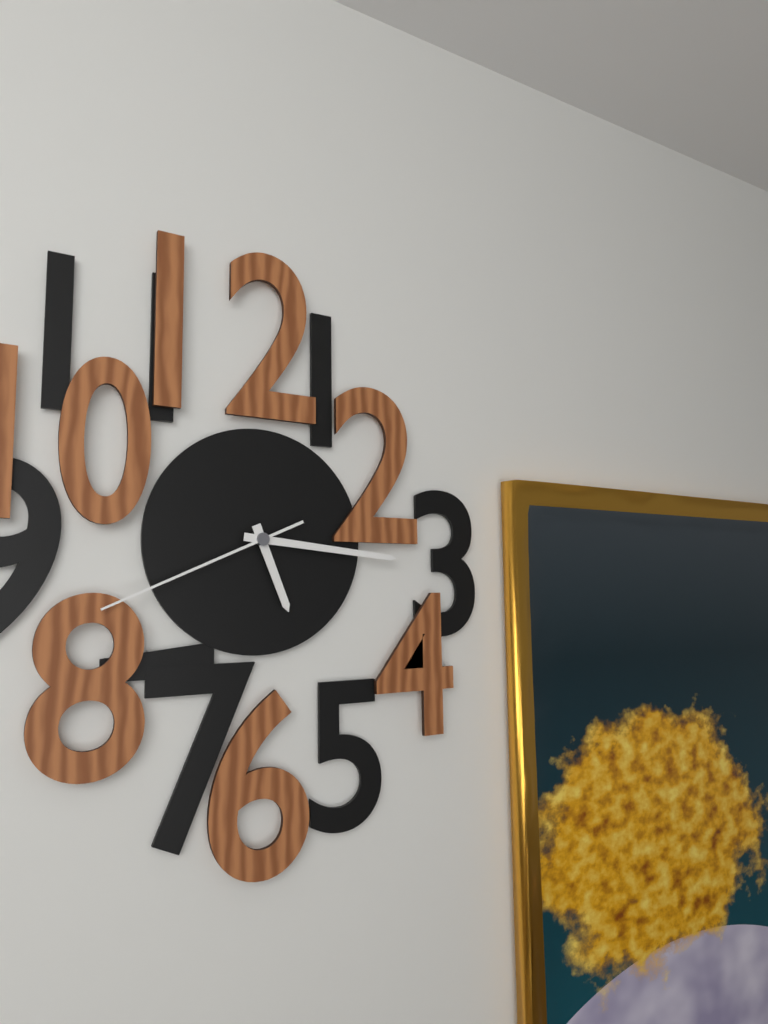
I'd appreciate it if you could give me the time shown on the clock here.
5:16:41
